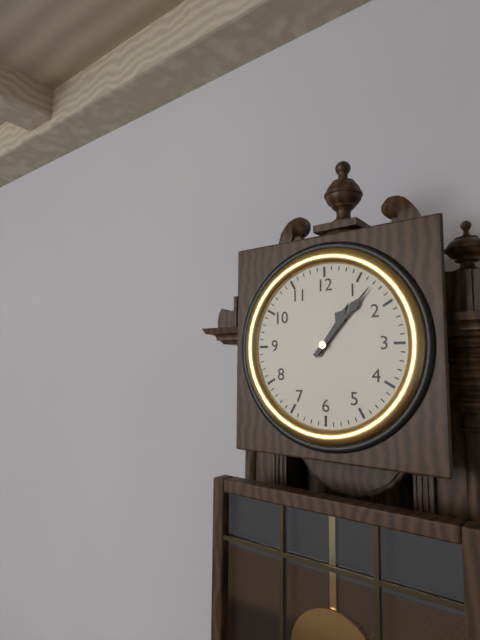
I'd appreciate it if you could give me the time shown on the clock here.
1:07
